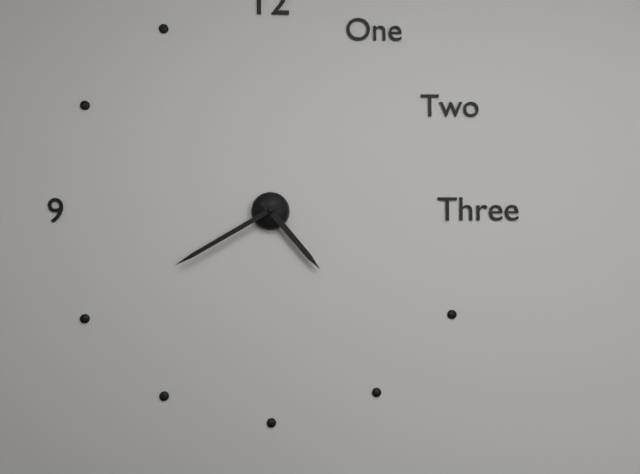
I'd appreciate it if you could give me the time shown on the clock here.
4:40
